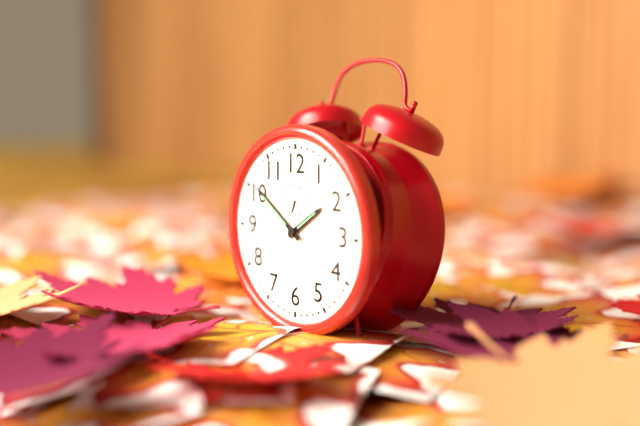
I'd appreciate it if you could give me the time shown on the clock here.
1:51
